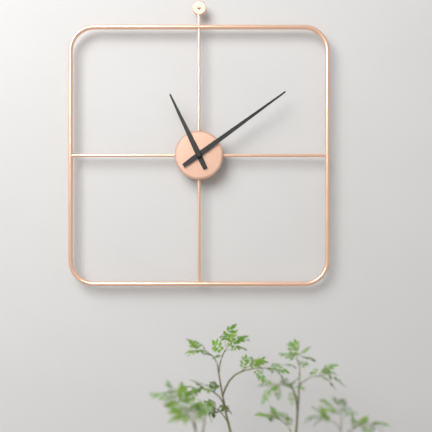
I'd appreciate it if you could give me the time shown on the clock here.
11:09
